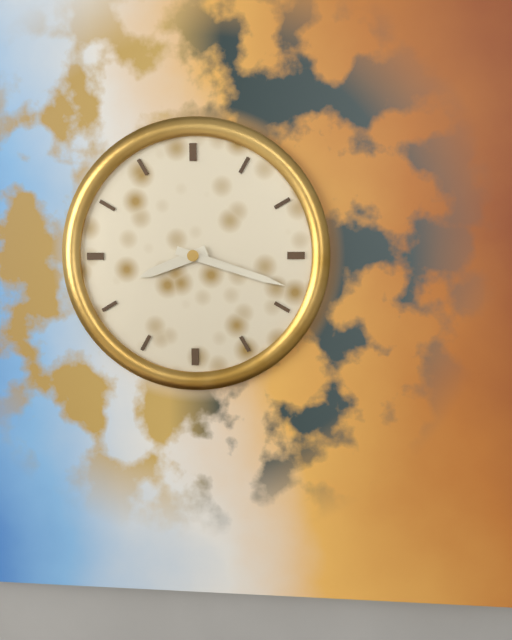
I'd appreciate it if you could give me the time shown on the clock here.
8:18
